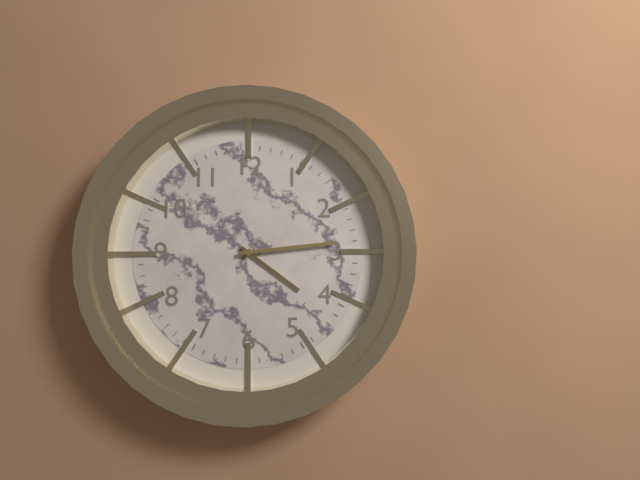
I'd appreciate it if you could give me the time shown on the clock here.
4:14
